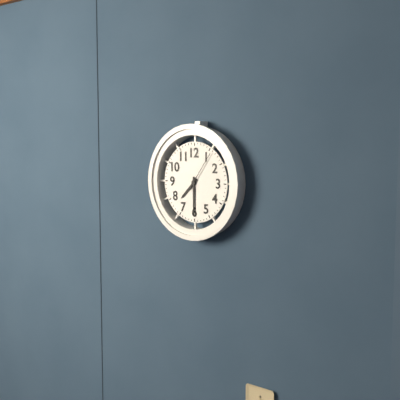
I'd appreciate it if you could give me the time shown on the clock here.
7:30
